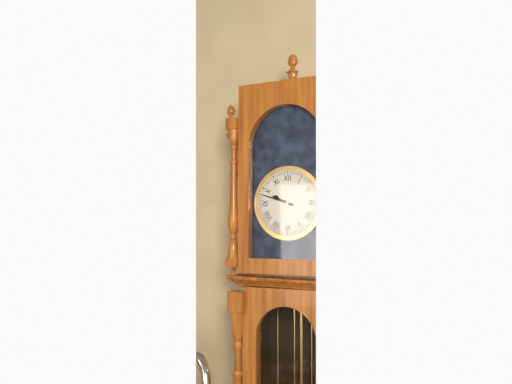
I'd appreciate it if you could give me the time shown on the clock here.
9:48
